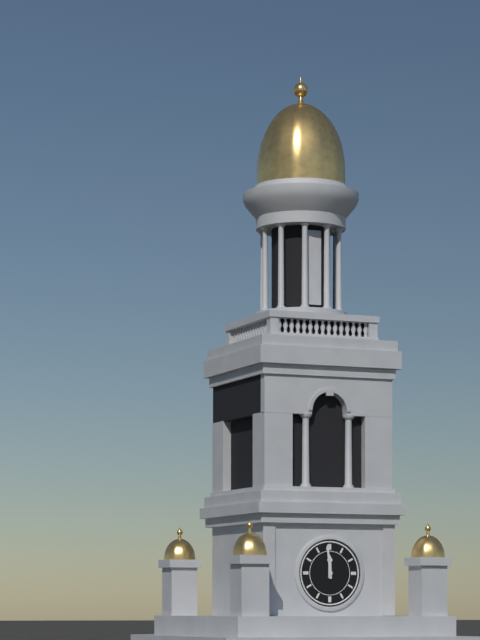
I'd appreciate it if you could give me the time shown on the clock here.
11:59
